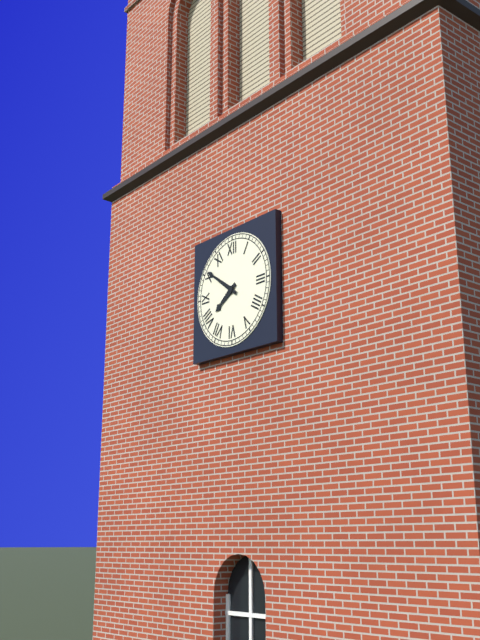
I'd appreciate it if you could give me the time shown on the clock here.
7:51
